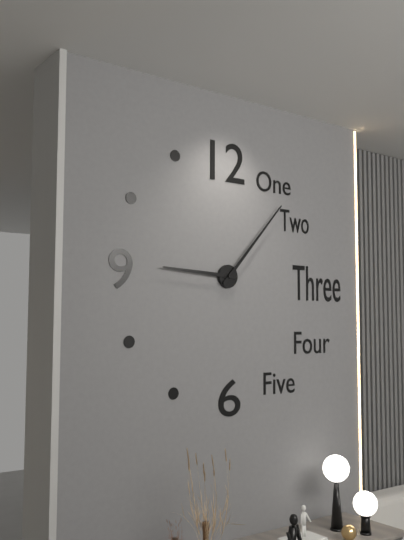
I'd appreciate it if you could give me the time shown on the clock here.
9:07
